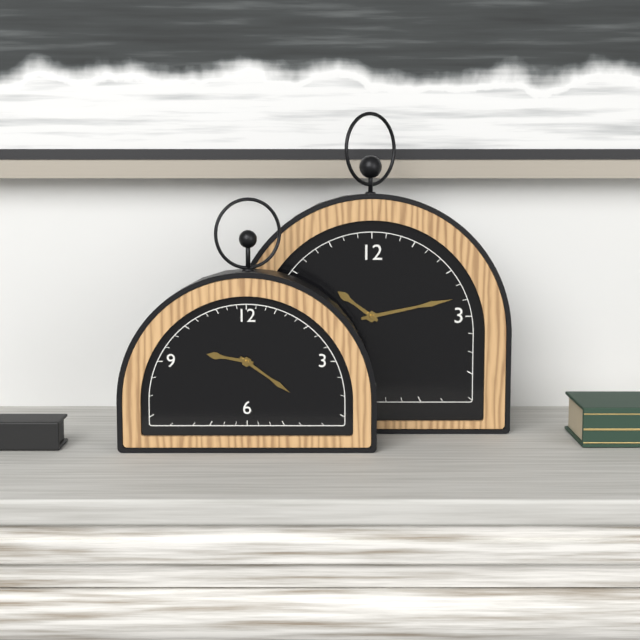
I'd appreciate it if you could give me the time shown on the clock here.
9:21
